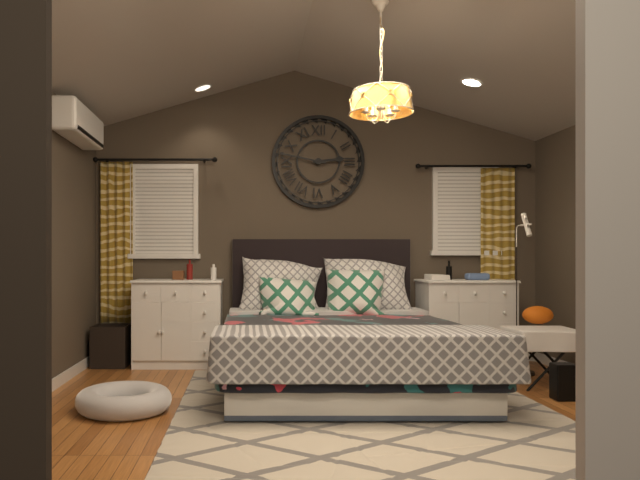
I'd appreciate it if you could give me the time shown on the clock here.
2:47
